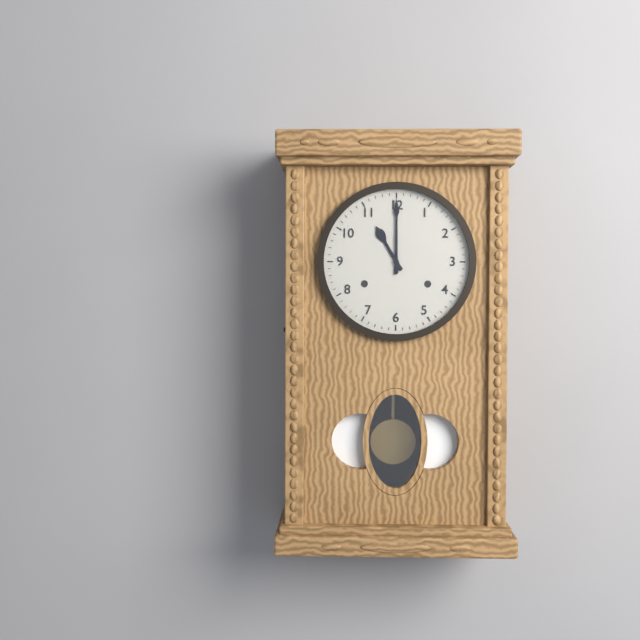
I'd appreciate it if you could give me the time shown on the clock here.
11:00
